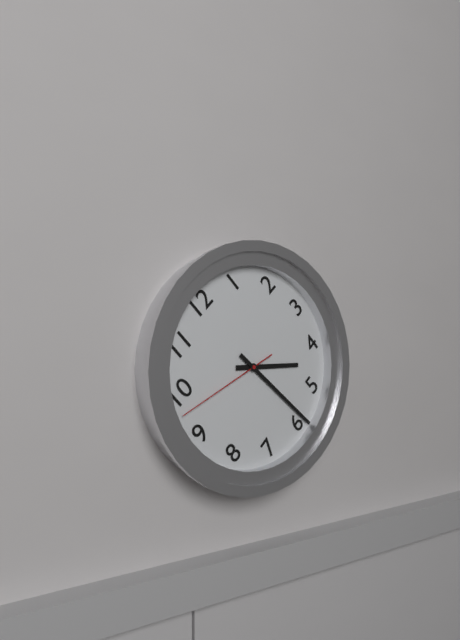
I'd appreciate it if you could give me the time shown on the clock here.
4:29:48
